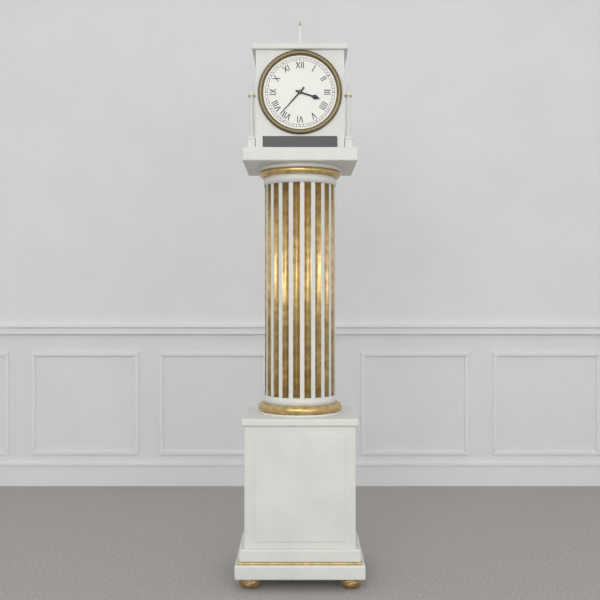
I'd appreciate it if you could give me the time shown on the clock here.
3:37
